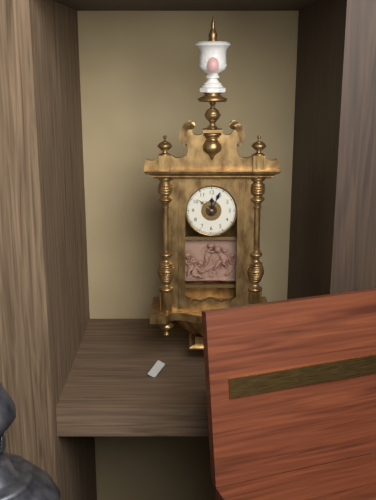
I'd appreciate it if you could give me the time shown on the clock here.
12:04
